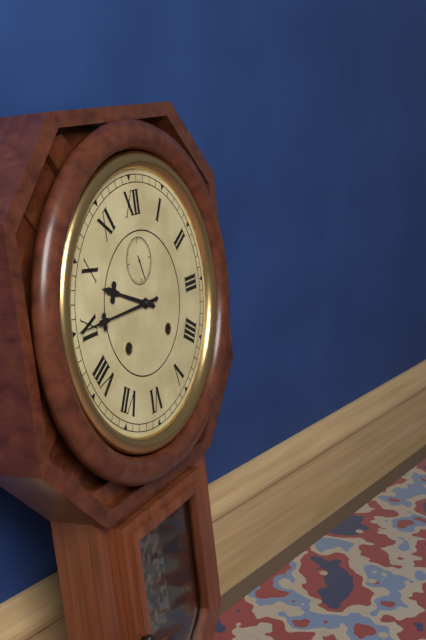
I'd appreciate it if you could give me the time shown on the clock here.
9:45
